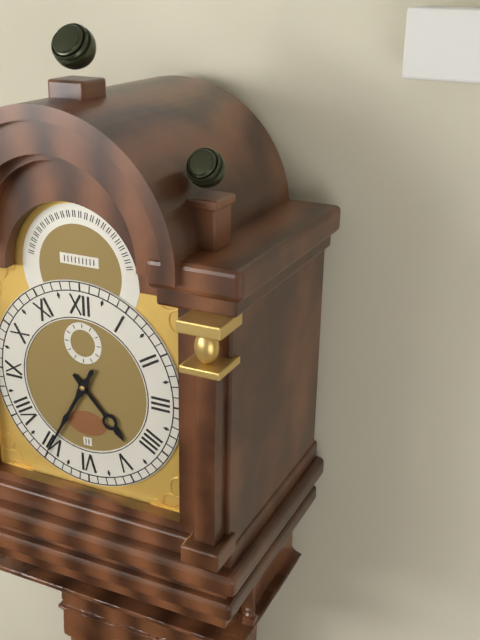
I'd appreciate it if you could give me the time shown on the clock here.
4:35
